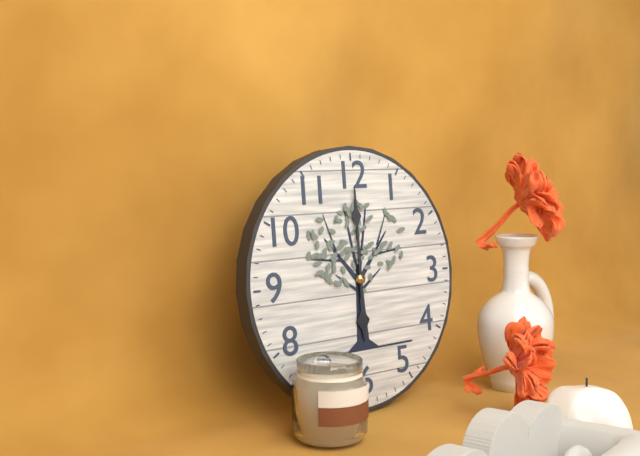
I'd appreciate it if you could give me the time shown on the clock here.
6:00
